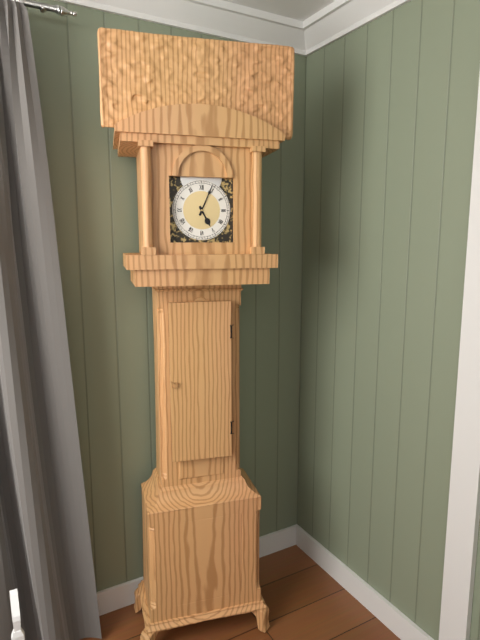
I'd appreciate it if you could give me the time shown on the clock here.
5:04
